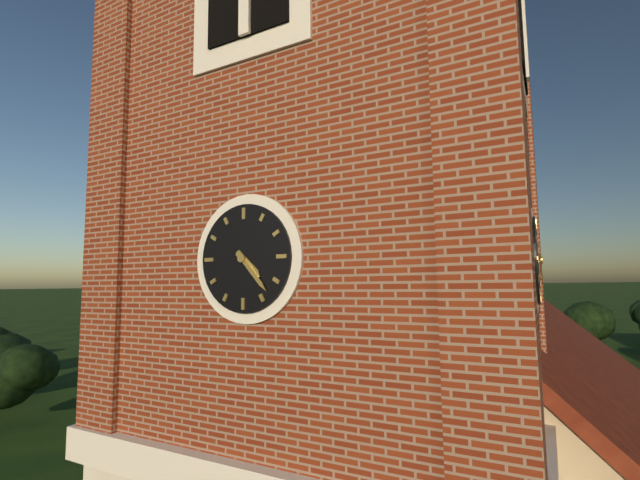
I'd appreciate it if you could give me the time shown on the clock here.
4:23
